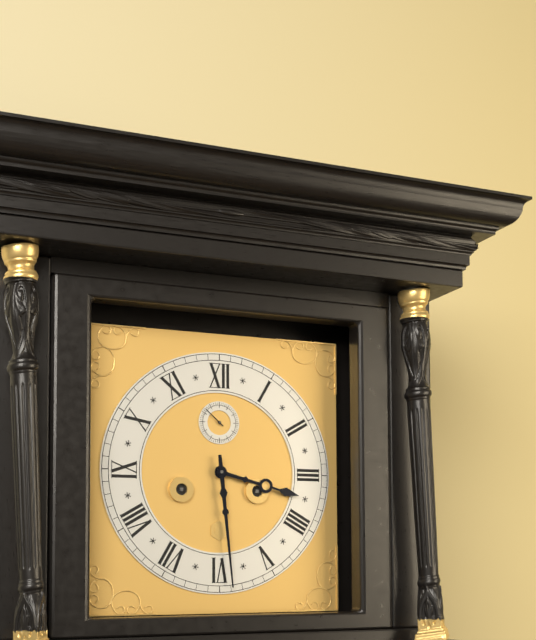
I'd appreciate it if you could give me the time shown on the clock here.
3:29
